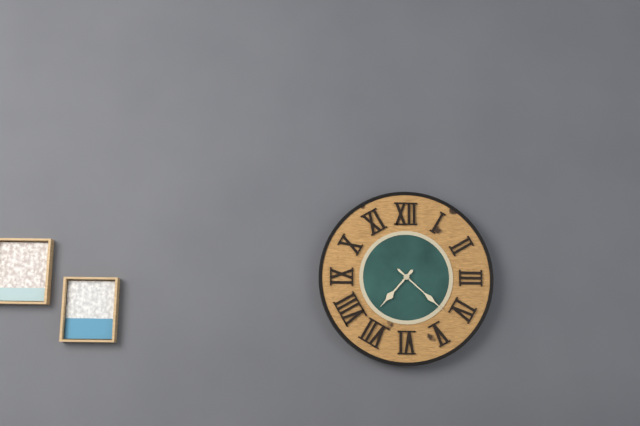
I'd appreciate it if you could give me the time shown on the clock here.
7:22
